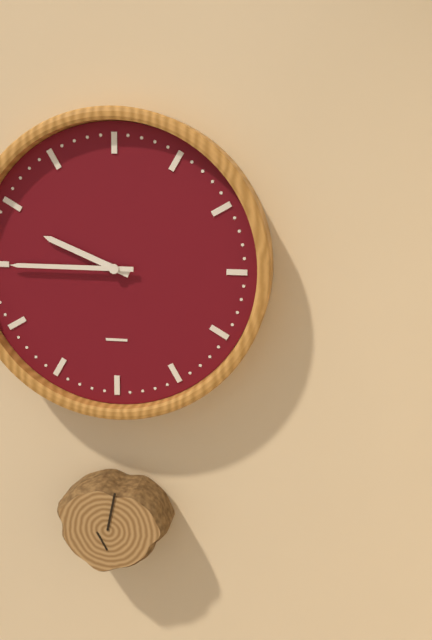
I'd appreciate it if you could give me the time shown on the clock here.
9:45
